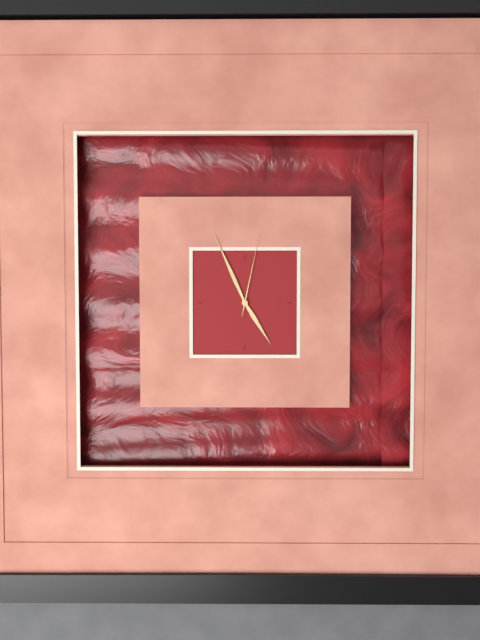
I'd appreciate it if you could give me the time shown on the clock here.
4:56:02
